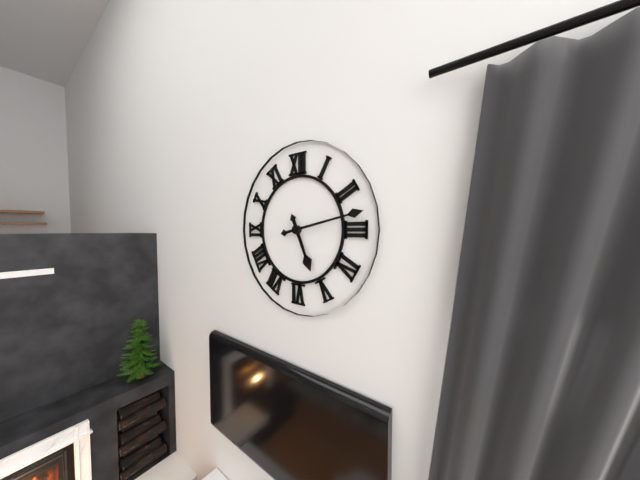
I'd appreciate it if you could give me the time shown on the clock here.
5:13
